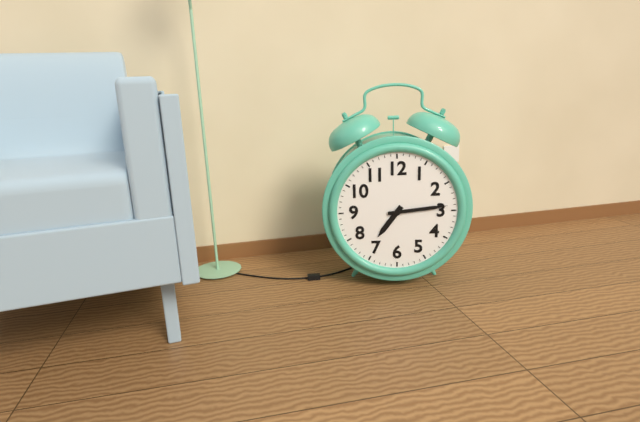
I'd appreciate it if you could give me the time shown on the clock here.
7:14
